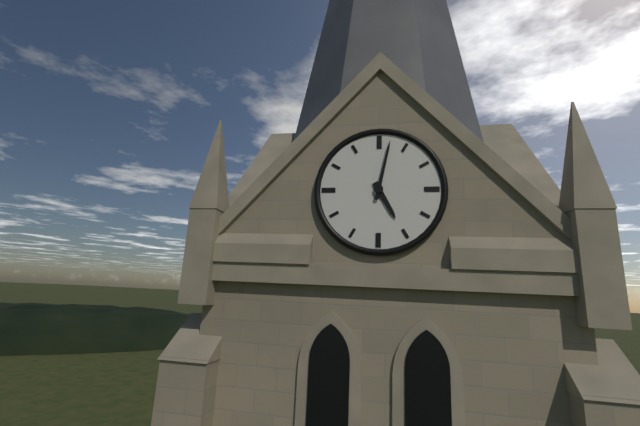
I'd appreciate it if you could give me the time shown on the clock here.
5:02
